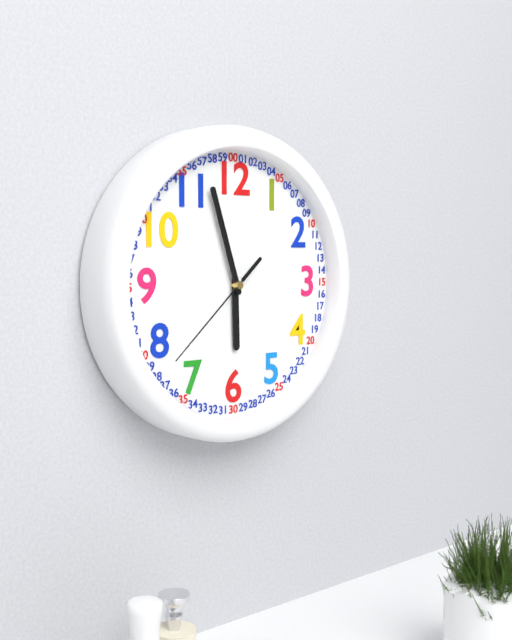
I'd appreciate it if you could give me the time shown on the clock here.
5:57:38
